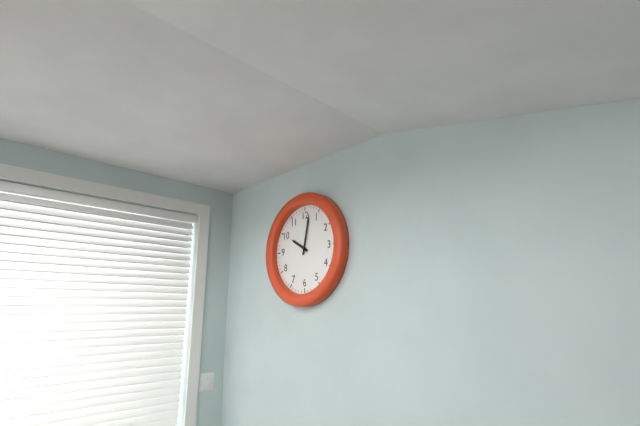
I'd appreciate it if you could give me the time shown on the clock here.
10:02
